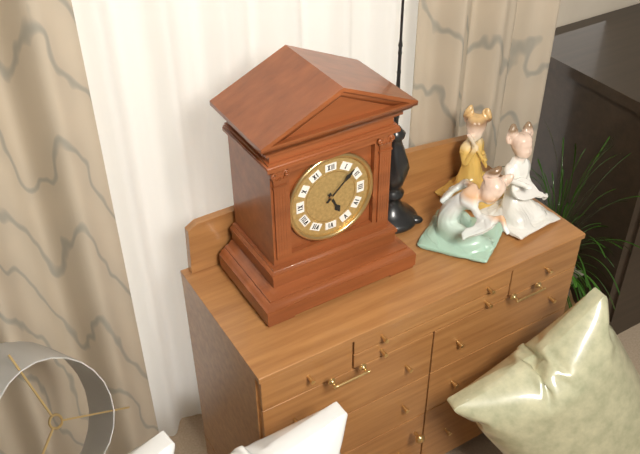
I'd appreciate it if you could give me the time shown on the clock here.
5:08
